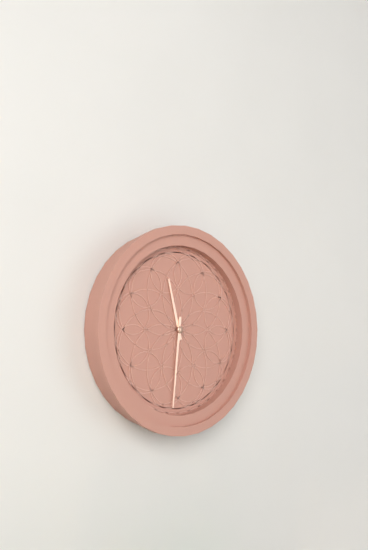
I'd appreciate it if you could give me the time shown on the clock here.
11:31
